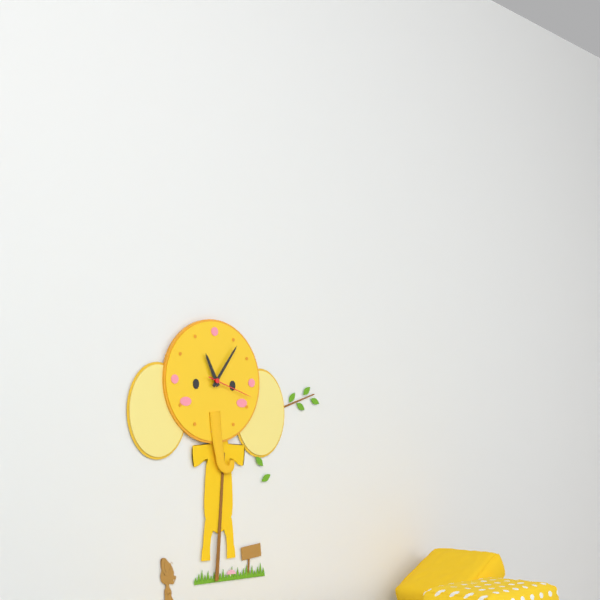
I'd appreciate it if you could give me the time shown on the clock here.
11:06
